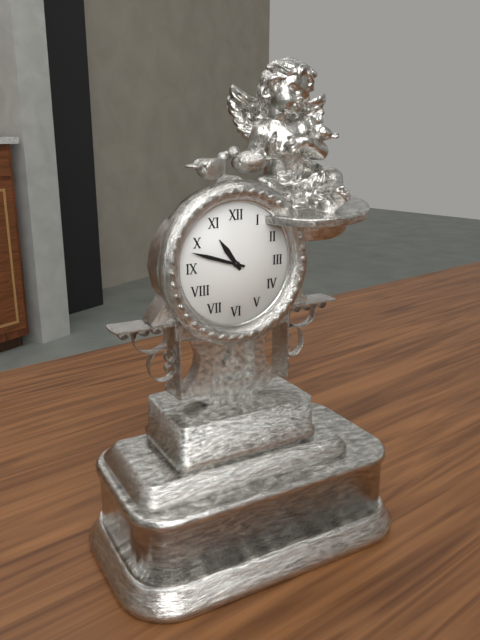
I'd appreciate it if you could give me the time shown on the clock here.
10:48
